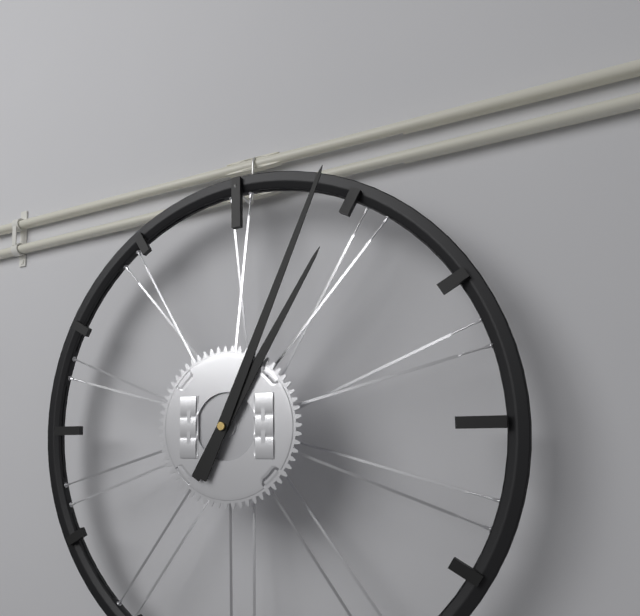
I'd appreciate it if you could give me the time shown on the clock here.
1:04
